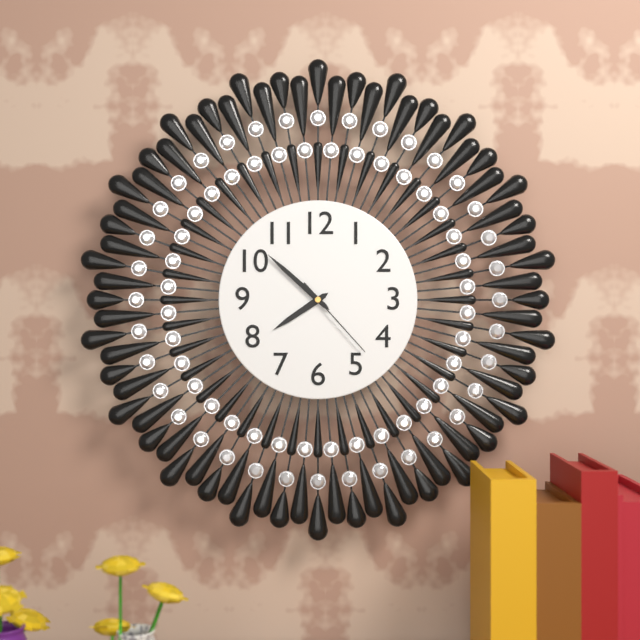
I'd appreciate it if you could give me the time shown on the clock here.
7:52:23
